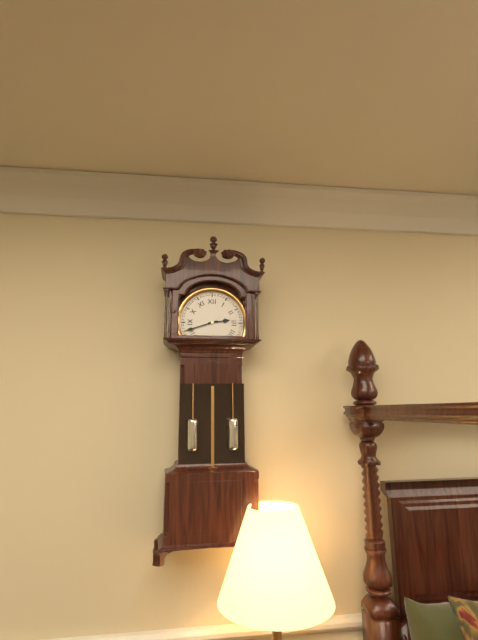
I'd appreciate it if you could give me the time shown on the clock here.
2:42
